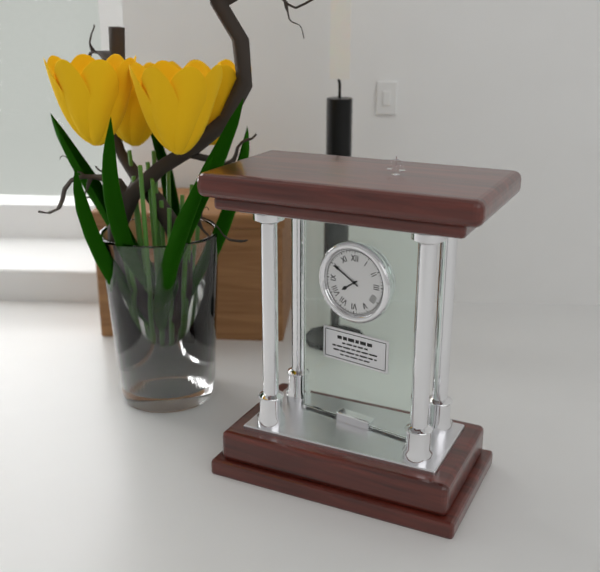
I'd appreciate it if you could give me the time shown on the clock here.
7:50
